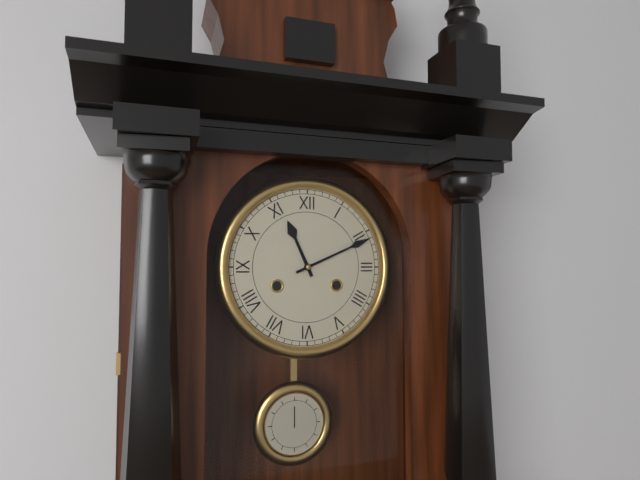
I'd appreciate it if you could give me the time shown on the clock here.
11:11
